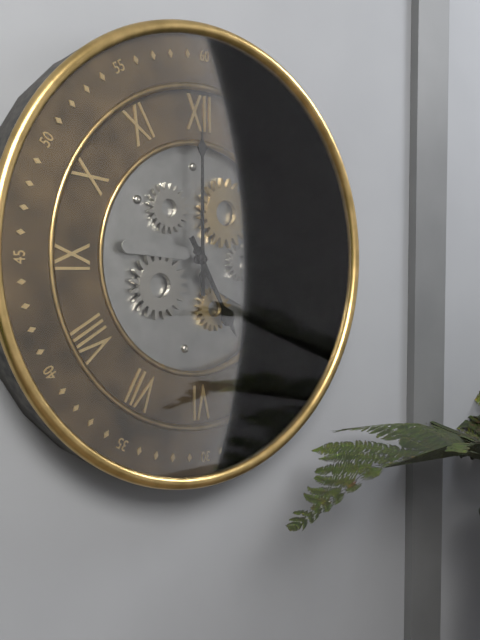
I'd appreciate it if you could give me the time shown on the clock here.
5:00
